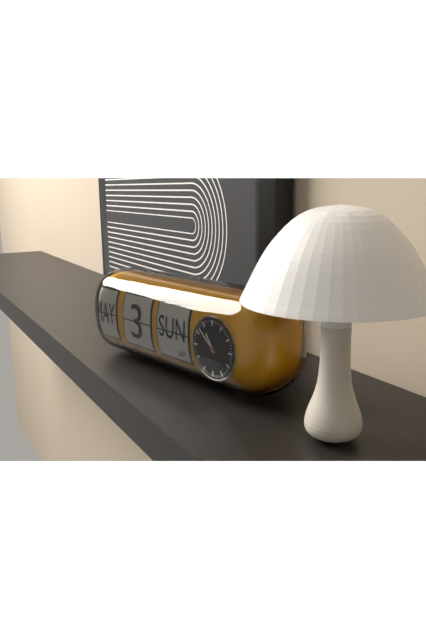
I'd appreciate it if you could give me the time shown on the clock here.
10:52:51
